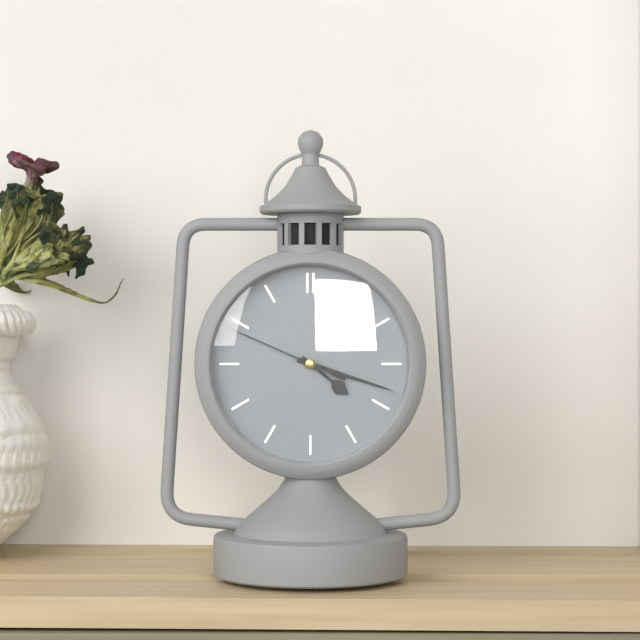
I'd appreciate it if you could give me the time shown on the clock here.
4:18:49
